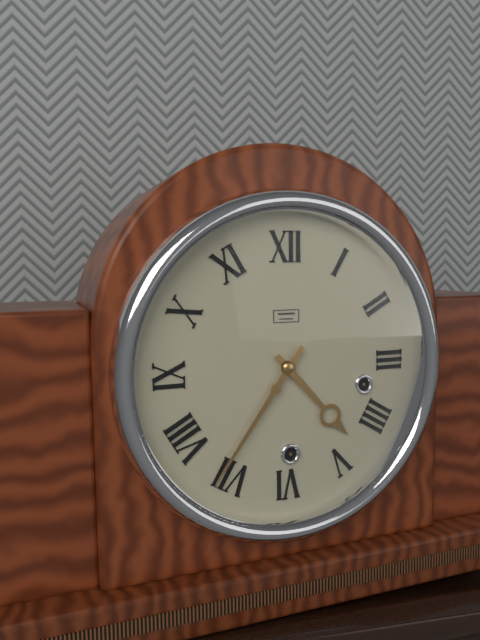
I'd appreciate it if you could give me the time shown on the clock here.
4:36
